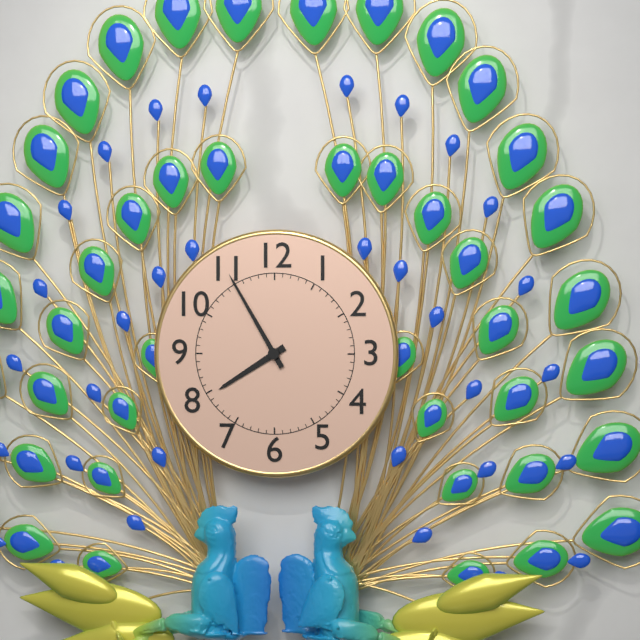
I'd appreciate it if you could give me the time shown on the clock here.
7:55
